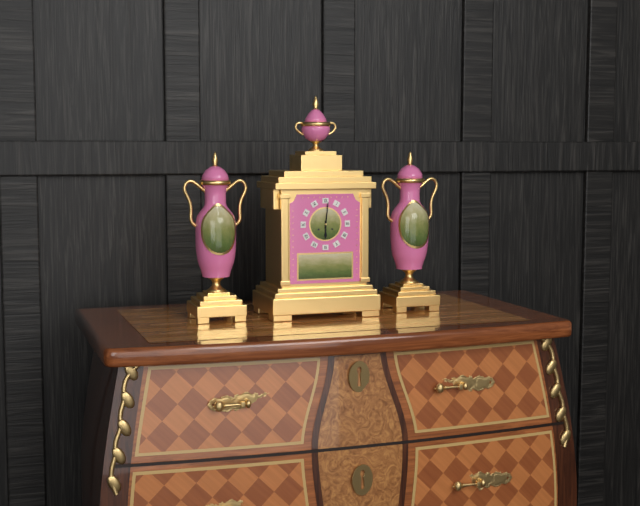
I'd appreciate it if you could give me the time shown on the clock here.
6:01
